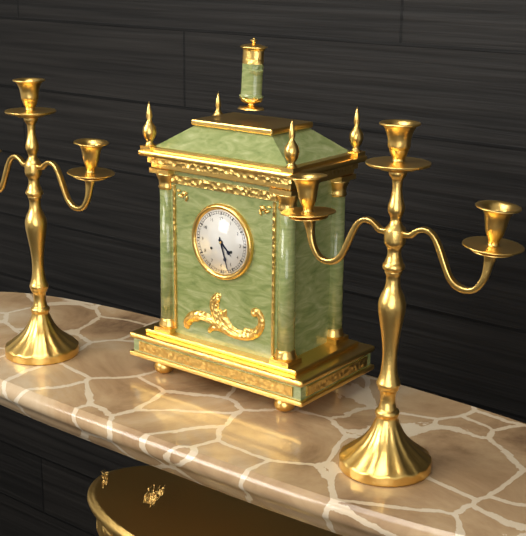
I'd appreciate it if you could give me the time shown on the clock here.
4:27
